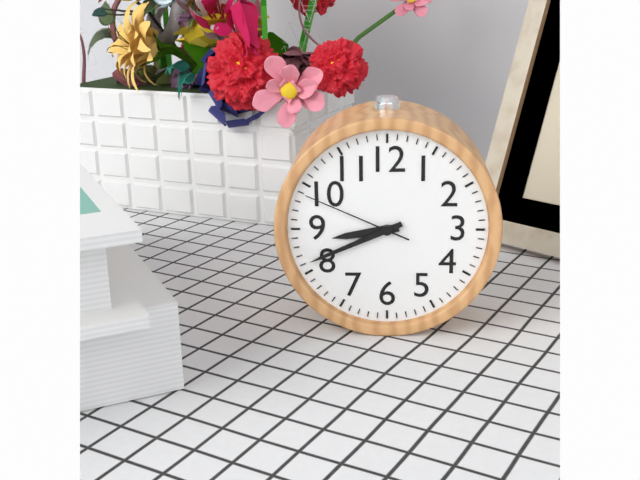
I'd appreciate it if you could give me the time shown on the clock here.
8:41:49
